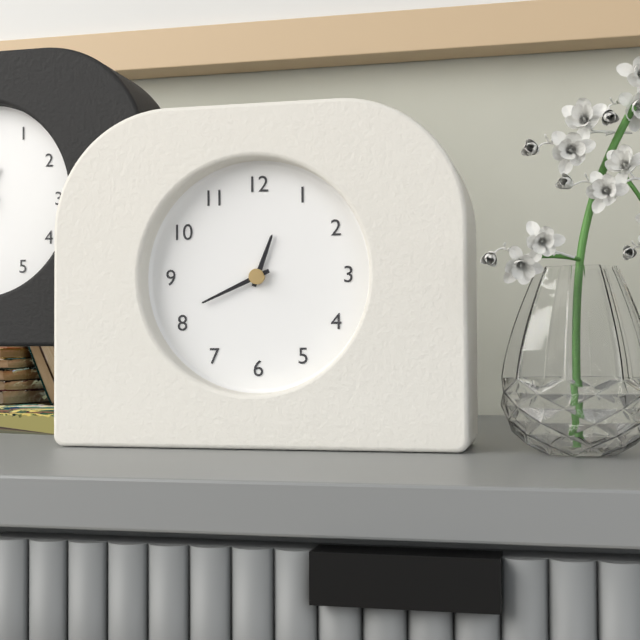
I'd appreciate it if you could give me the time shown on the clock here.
12:41
